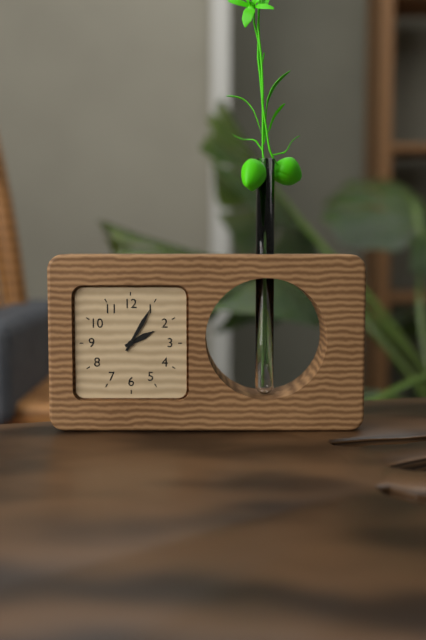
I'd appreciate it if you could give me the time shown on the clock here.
2:05
